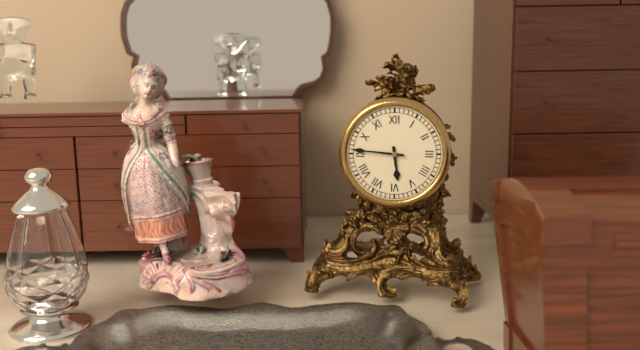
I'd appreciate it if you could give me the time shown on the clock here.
5:46
